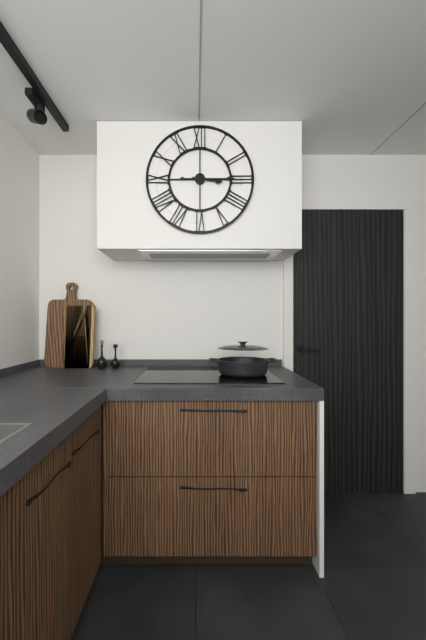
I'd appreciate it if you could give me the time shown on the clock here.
3:15
